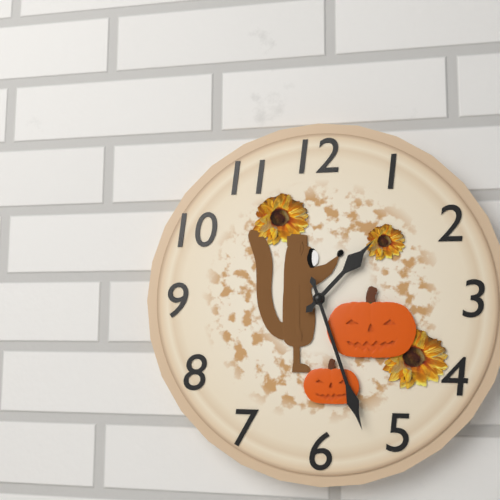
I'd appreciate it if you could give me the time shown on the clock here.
1:27
